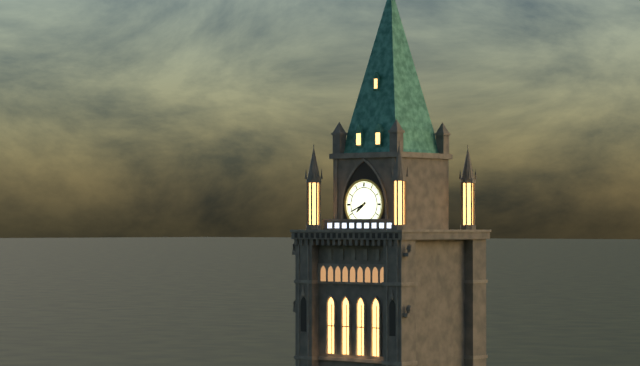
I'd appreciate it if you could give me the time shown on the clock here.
7:41
